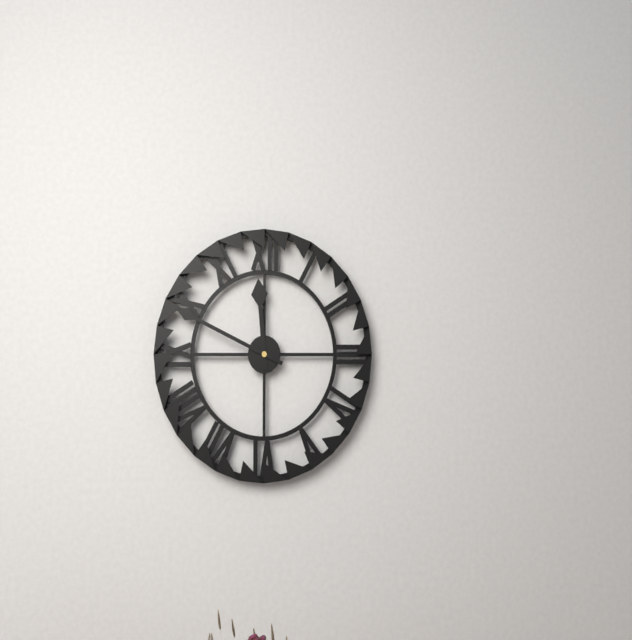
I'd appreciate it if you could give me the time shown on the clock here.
11:49
